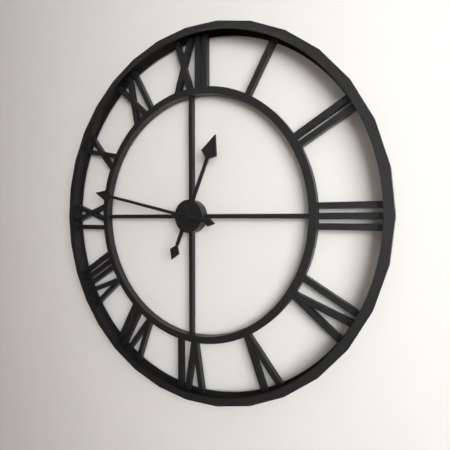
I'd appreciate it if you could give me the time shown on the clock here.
12:47
